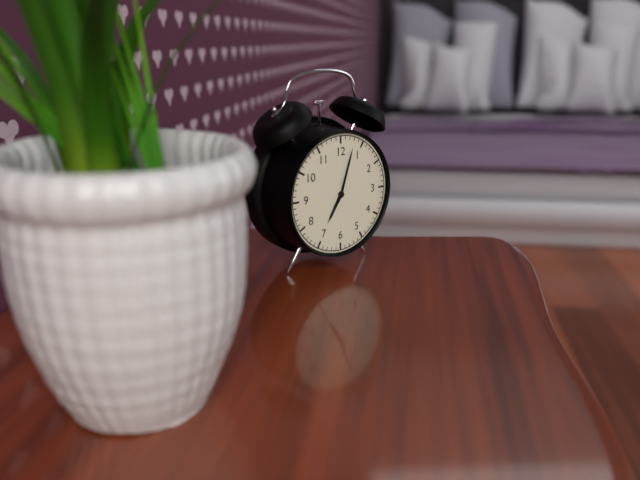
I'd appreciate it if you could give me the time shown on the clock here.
7:03
